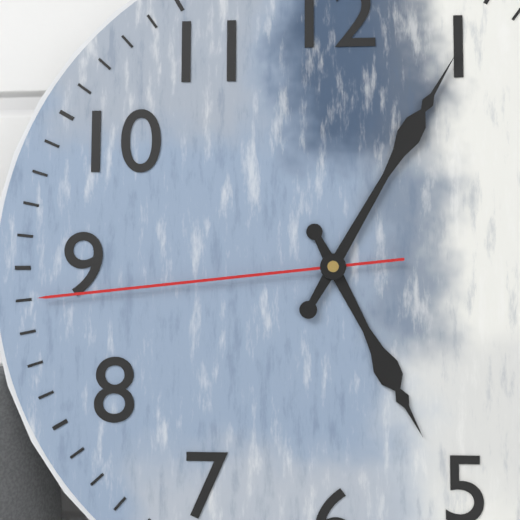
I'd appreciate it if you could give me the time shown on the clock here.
5:05:44
